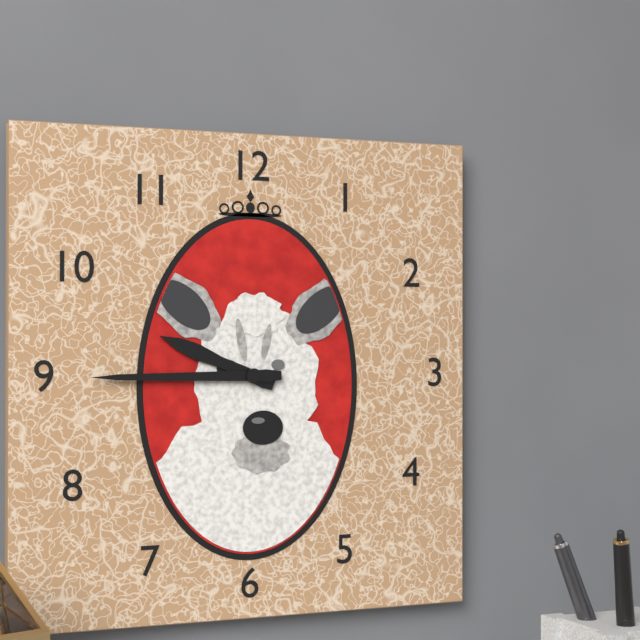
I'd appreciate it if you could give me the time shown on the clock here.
9:45
